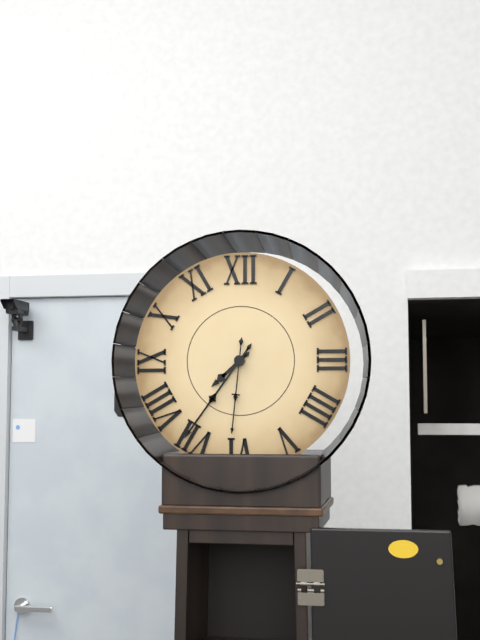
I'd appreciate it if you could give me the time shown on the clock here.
7:36:31
